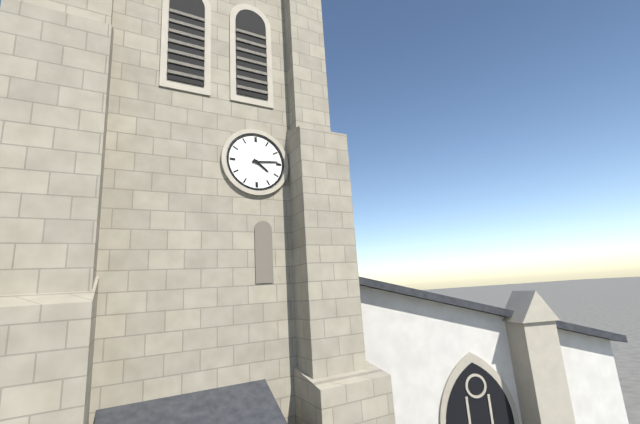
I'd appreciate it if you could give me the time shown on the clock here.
4:14
